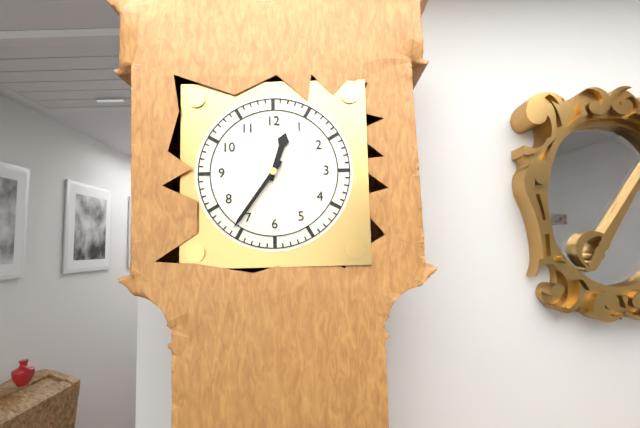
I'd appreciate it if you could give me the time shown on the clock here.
12:36
